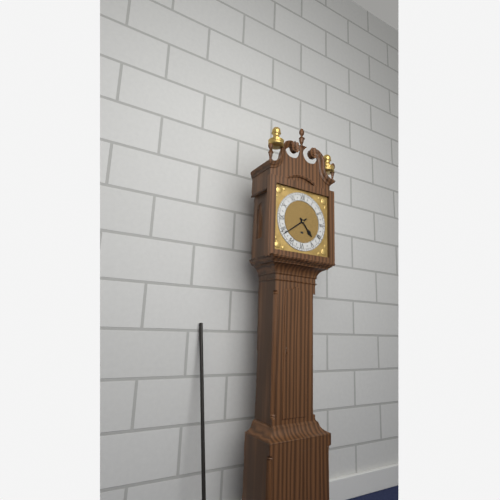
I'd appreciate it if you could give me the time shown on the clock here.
4:39
